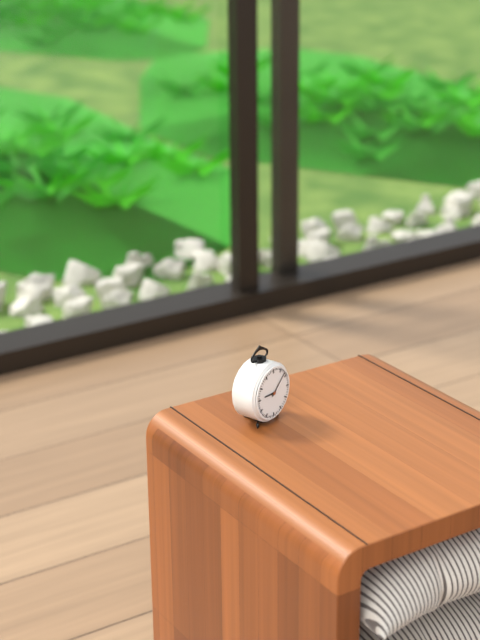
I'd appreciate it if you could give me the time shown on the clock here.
9:08
